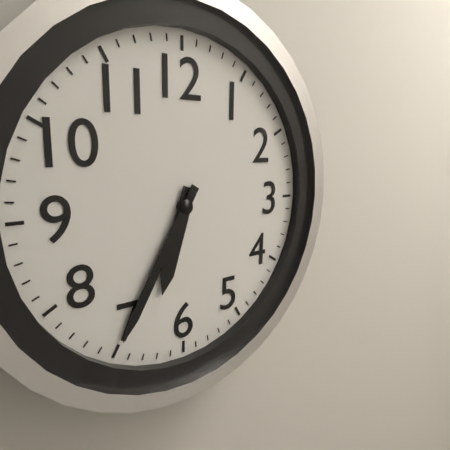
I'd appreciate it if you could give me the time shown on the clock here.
6:35
